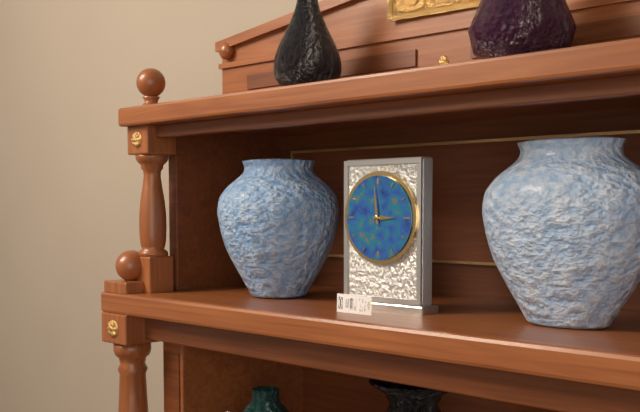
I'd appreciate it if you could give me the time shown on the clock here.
2:59
